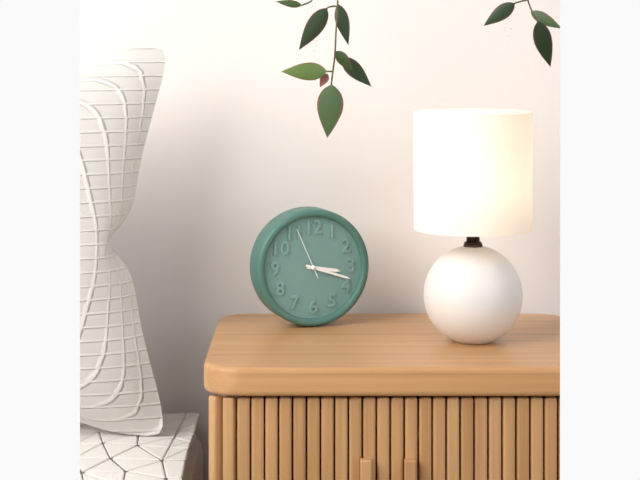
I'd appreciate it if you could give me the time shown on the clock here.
3:18:56
